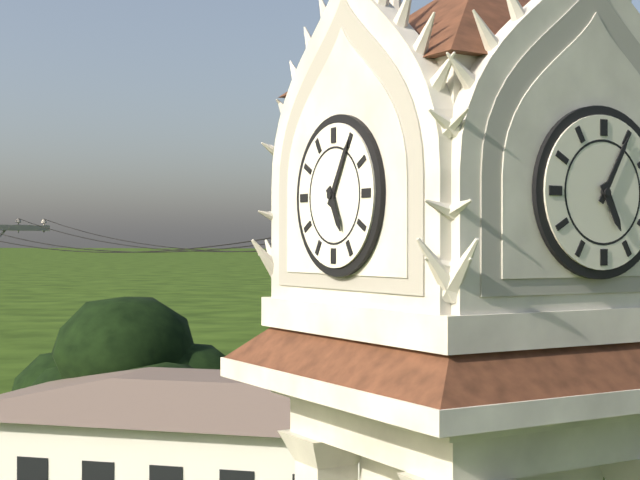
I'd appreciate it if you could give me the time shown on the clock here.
5:05
